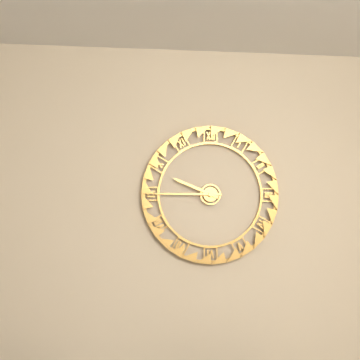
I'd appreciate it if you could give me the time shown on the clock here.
9:45
